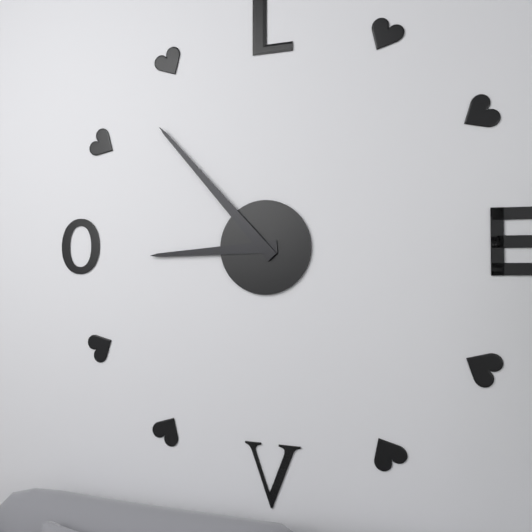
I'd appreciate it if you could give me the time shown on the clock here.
8:53
